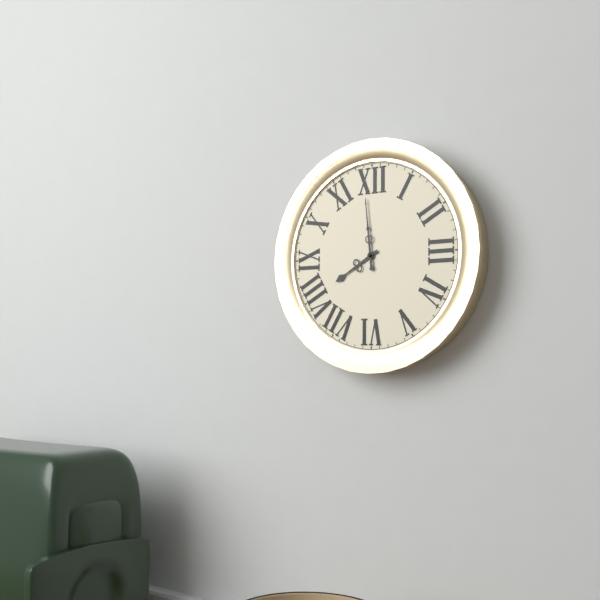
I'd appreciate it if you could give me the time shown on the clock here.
7:59
